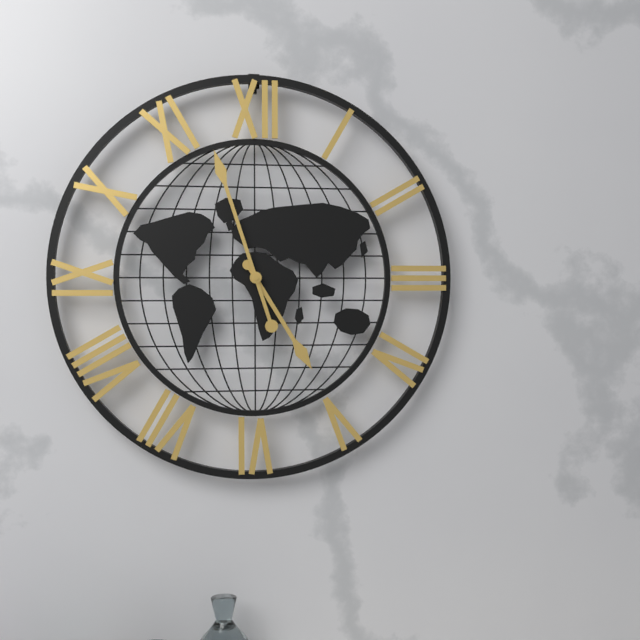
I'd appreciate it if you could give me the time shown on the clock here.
4:57
